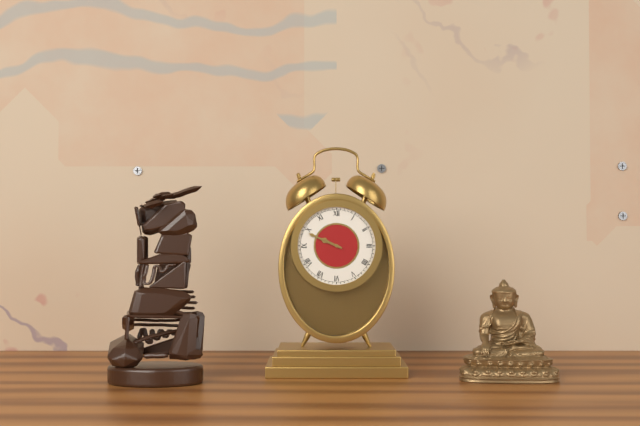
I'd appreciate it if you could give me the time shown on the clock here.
9:49
